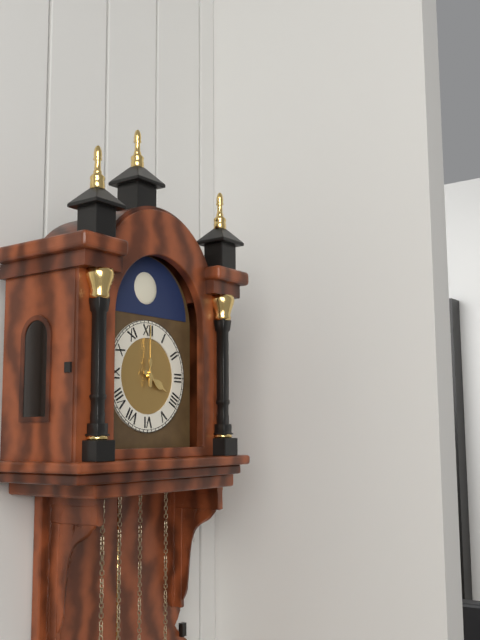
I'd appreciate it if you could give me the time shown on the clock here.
4:00
